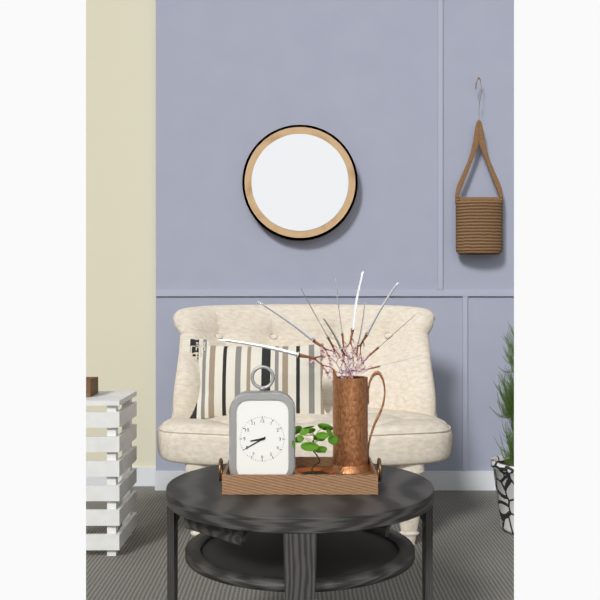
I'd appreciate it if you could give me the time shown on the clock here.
8:40
